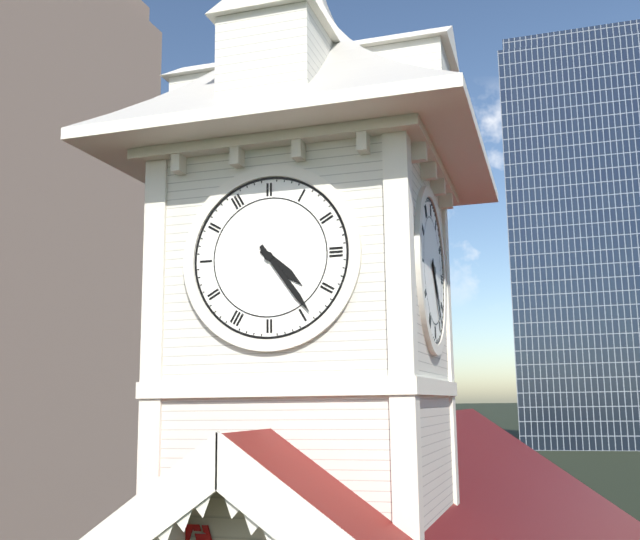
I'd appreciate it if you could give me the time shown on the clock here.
4:24
